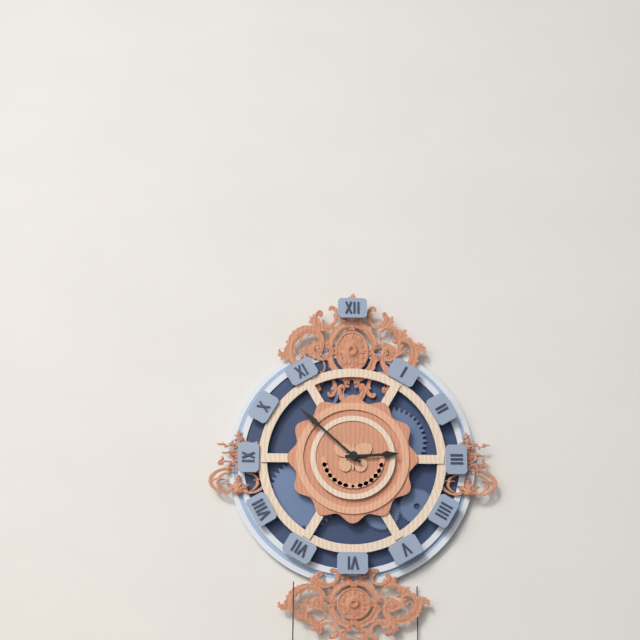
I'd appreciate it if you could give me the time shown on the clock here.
2:52
